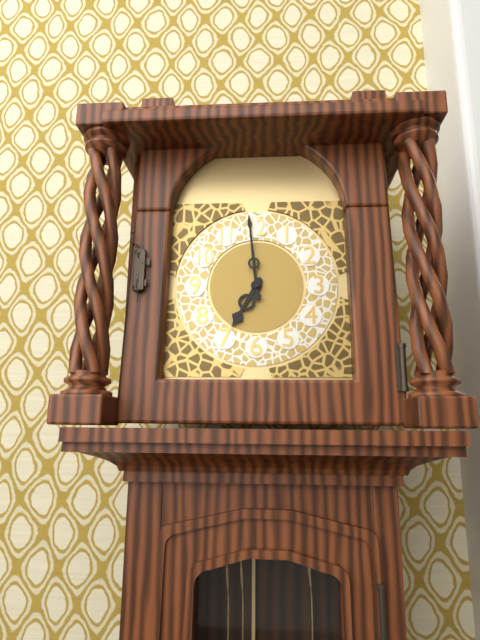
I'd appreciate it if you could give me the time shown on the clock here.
6:59
